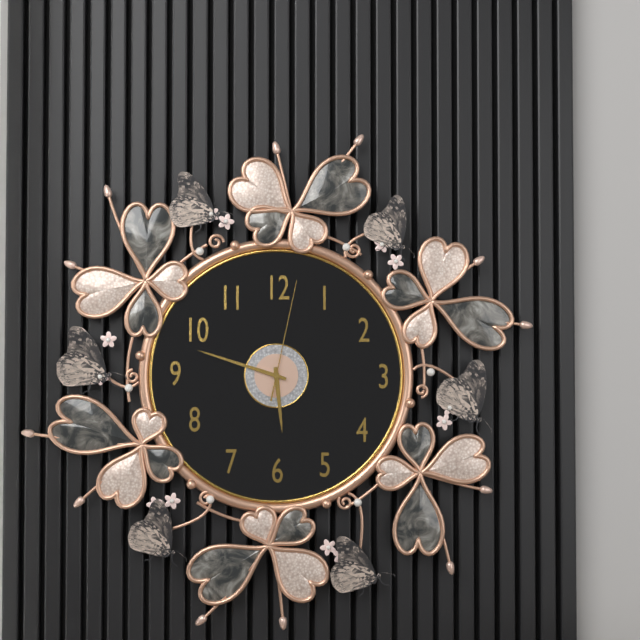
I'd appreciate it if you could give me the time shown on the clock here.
5:48:02
